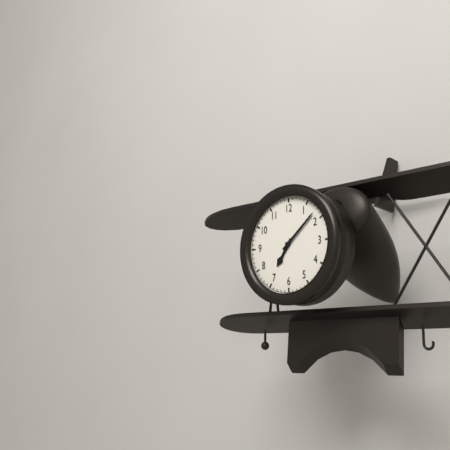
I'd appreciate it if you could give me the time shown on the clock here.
7:08
